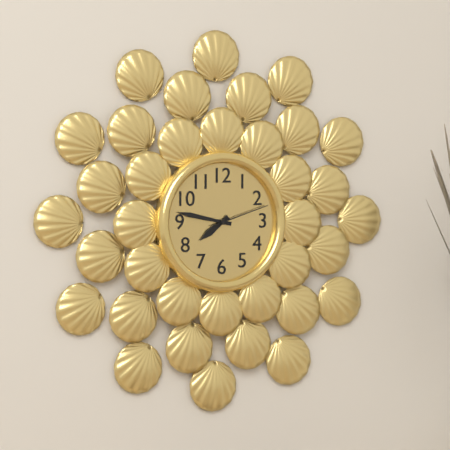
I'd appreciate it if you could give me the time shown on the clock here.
7:47:12
